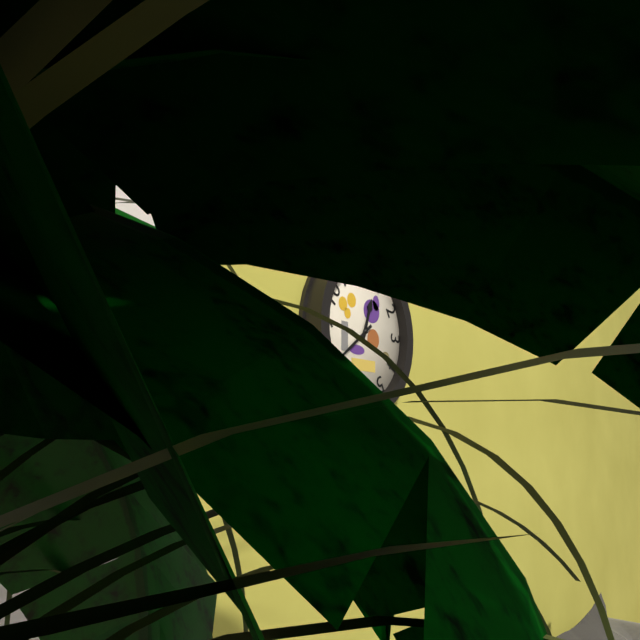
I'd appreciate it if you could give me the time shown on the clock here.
12:39
